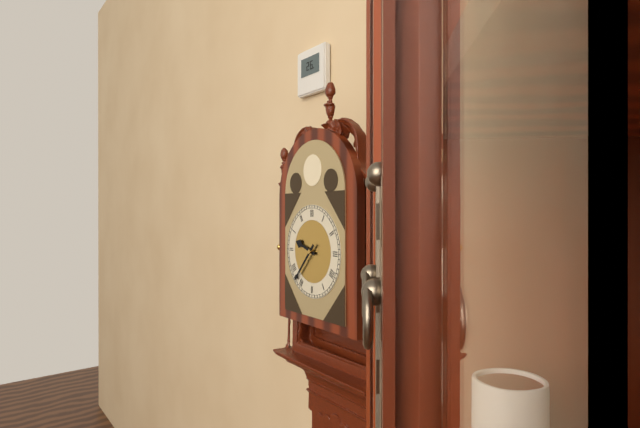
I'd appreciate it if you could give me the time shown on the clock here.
9:37
